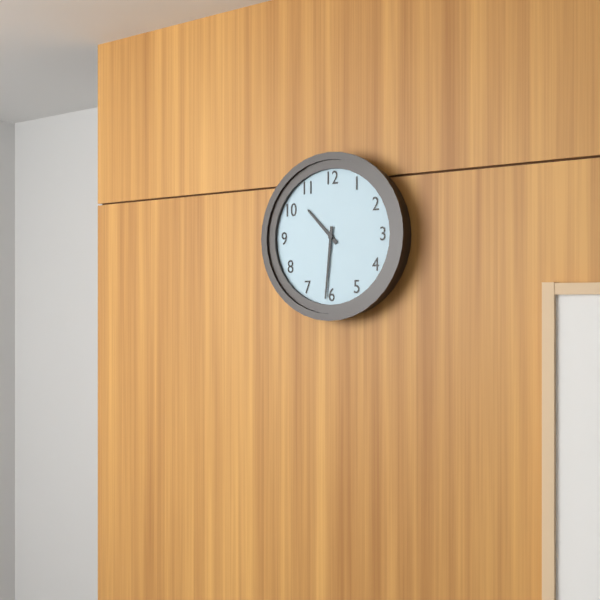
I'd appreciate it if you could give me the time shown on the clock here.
10:31
